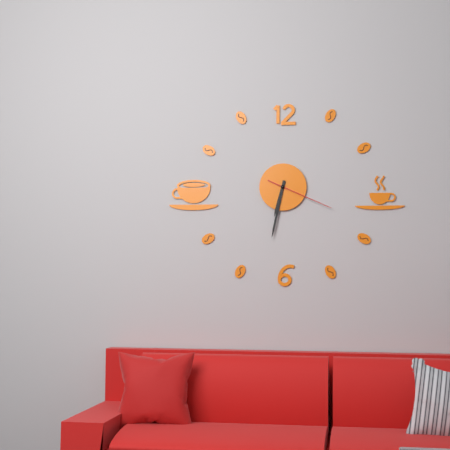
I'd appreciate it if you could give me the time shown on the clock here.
6:32:19
